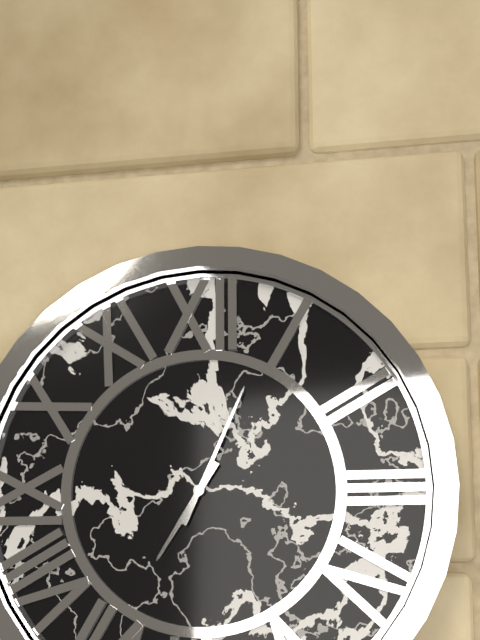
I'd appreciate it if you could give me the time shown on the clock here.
7:04
